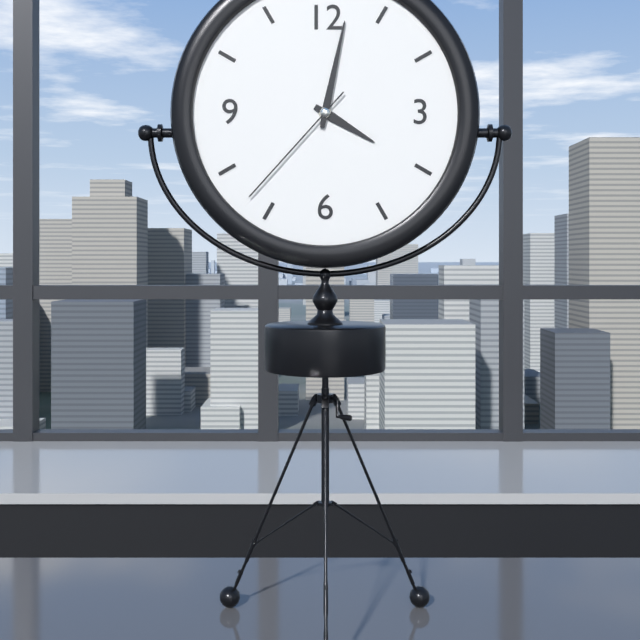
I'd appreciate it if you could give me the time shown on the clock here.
4:02:37
